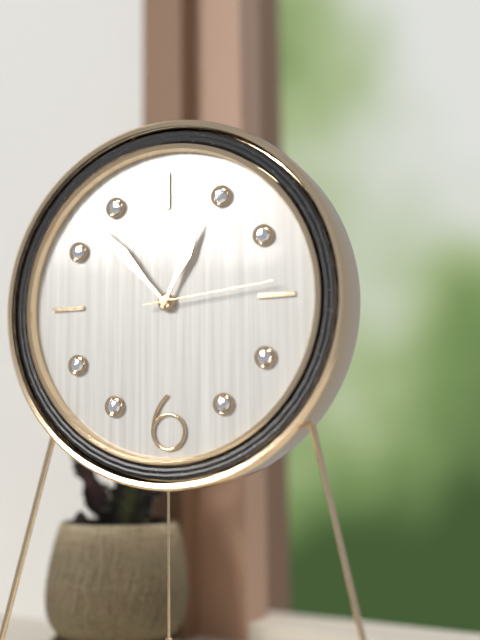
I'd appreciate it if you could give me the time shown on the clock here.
12:53:14
